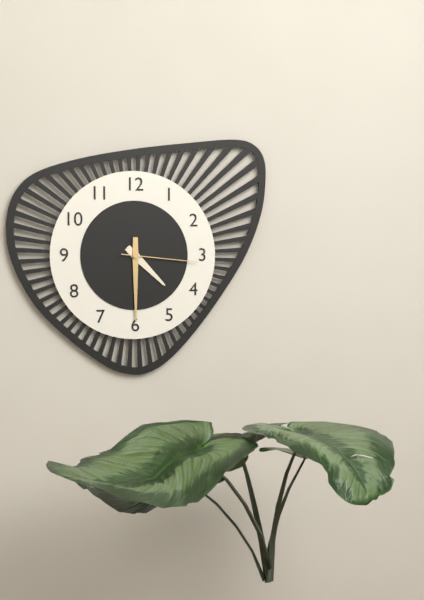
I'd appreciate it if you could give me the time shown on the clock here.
4:30:16
